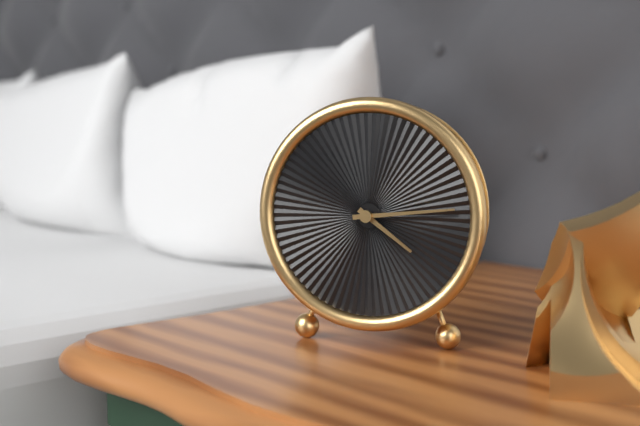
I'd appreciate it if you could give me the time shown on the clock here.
4:14
